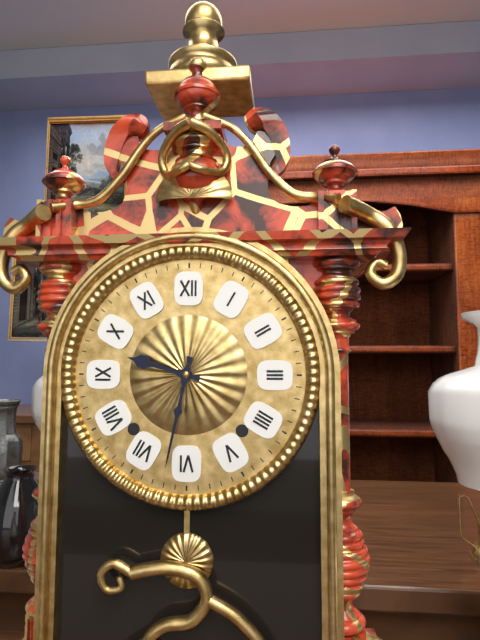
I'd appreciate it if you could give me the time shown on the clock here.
9:32
